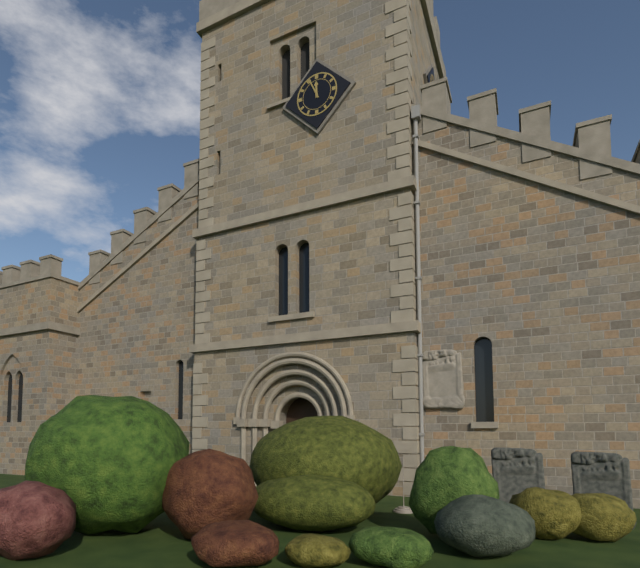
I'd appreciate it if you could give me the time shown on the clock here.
11:56
